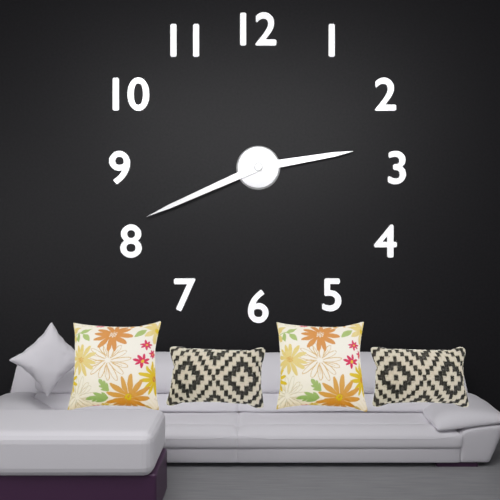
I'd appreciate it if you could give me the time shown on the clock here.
2:41
